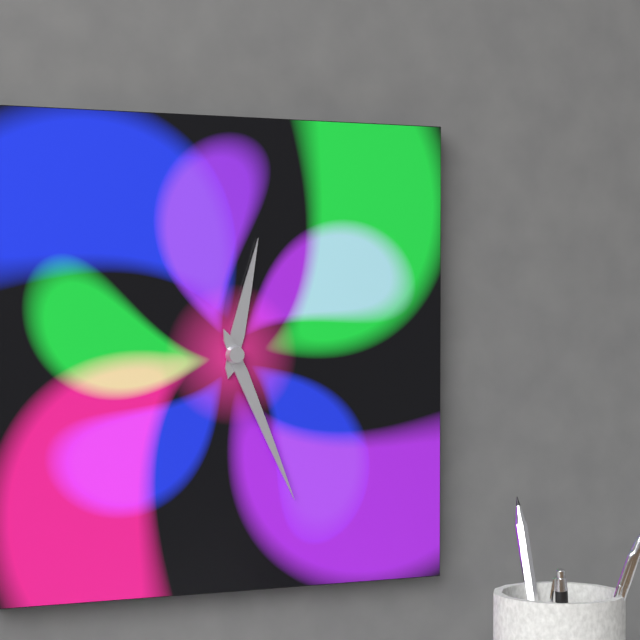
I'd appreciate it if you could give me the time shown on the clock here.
12:26
